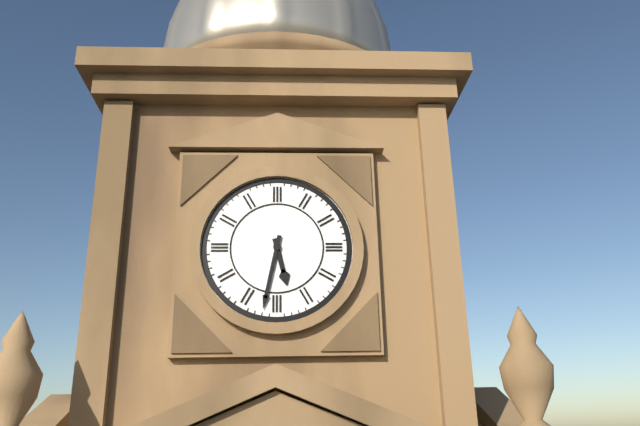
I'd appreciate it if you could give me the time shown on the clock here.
5:32
